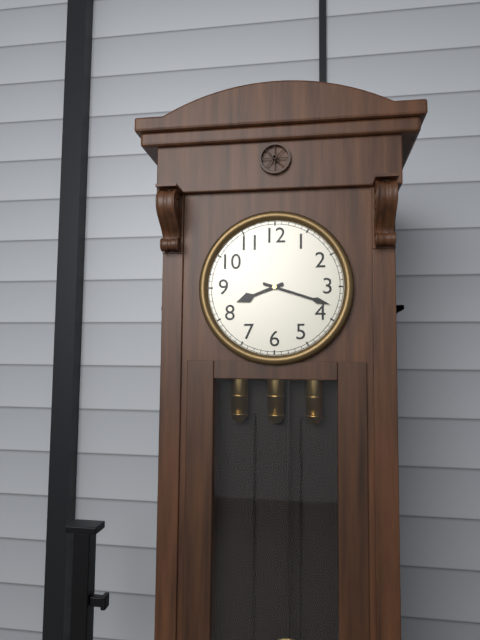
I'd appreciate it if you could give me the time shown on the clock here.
8:18
